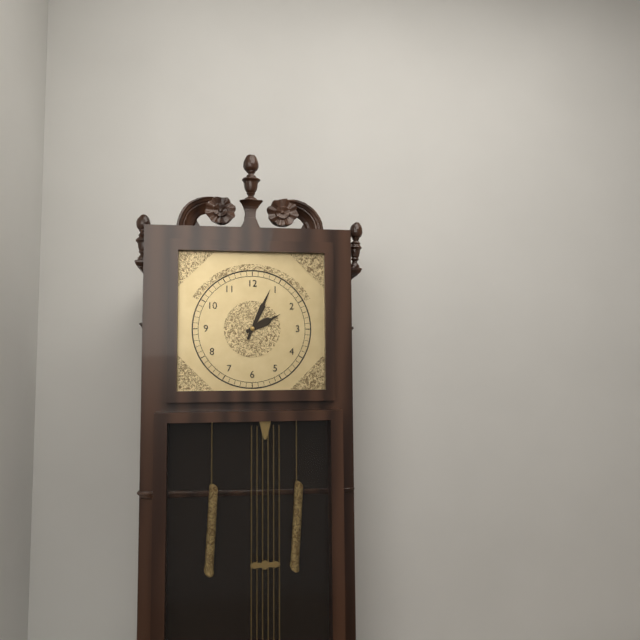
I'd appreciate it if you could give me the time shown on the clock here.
2:04
